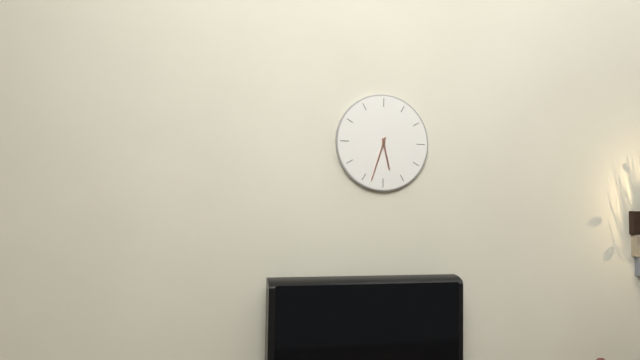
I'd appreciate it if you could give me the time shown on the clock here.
5:33
